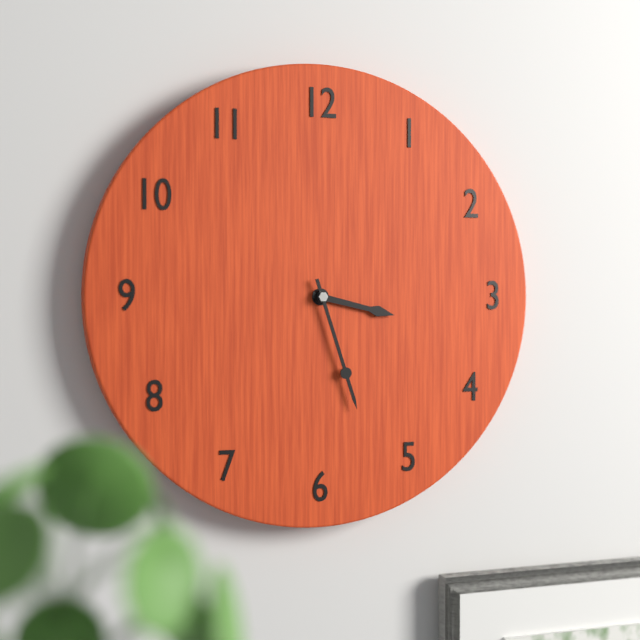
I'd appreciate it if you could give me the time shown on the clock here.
3:27
